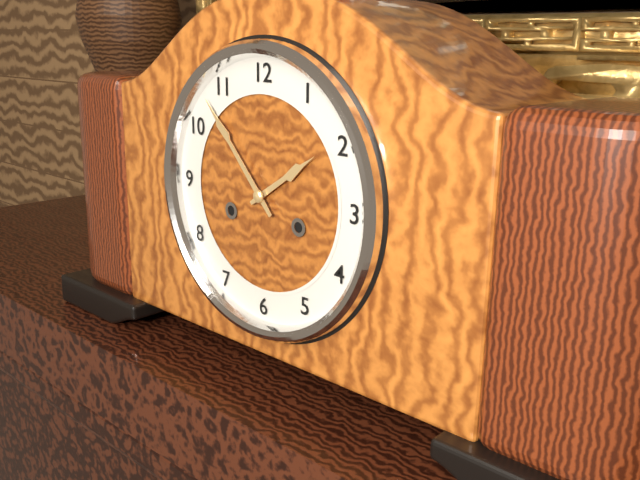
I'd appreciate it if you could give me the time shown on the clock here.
1:53
